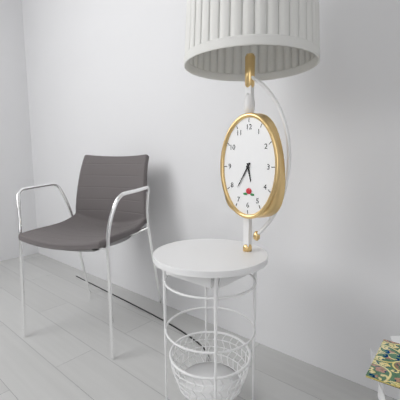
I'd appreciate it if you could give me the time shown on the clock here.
5:35
